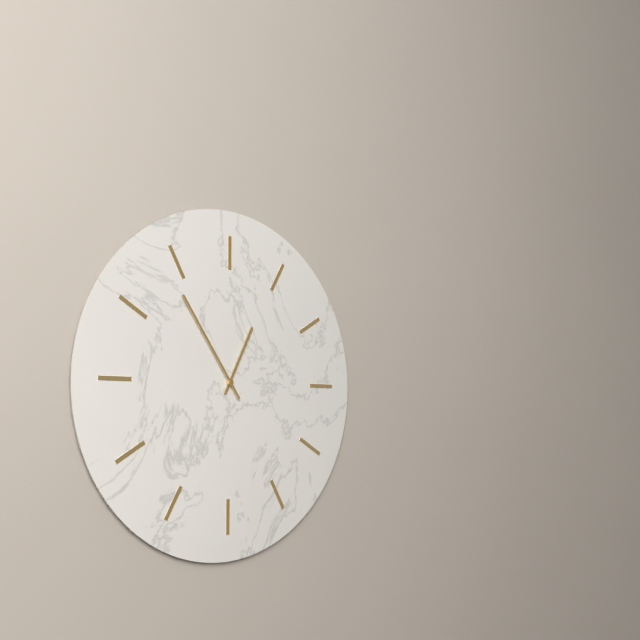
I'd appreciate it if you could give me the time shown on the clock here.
12:54
